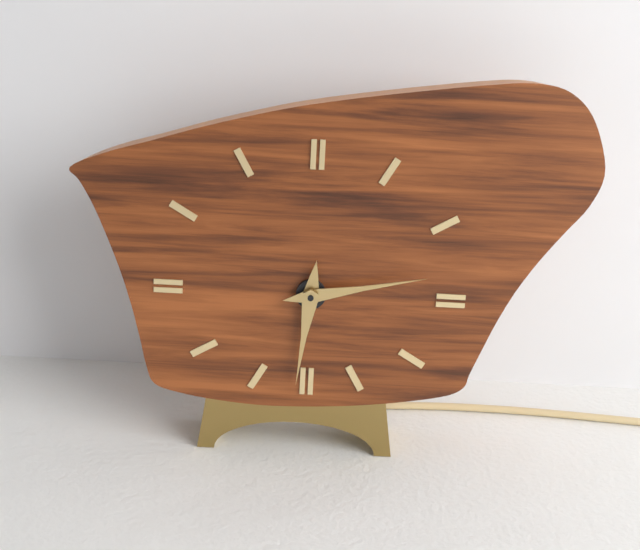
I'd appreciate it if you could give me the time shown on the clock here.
6:13
